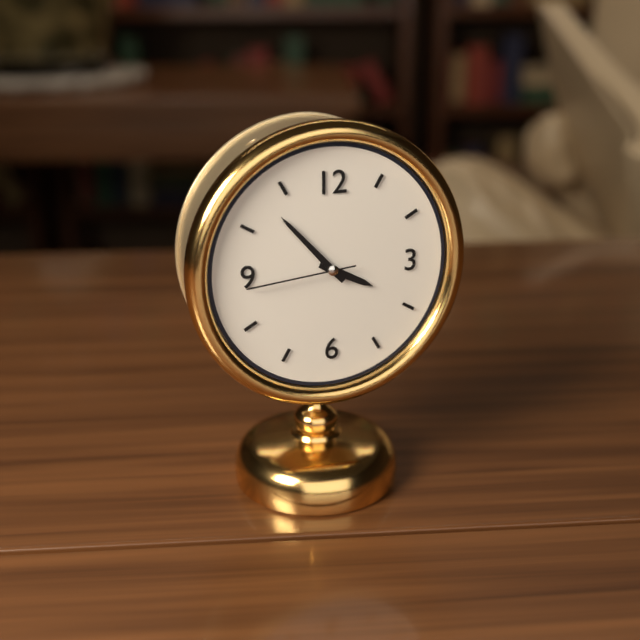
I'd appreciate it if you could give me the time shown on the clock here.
3:53:44
